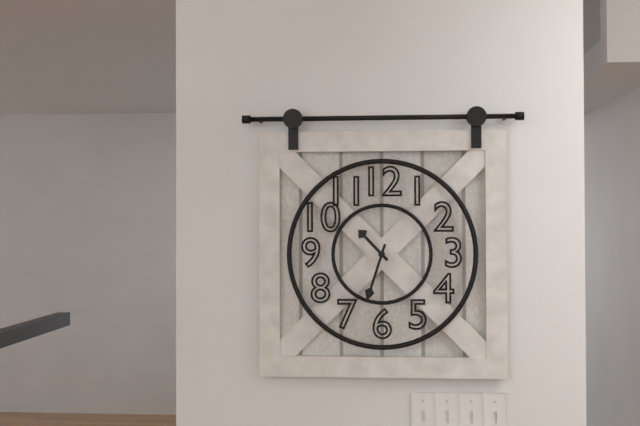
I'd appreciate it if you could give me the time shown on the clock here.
10:33
